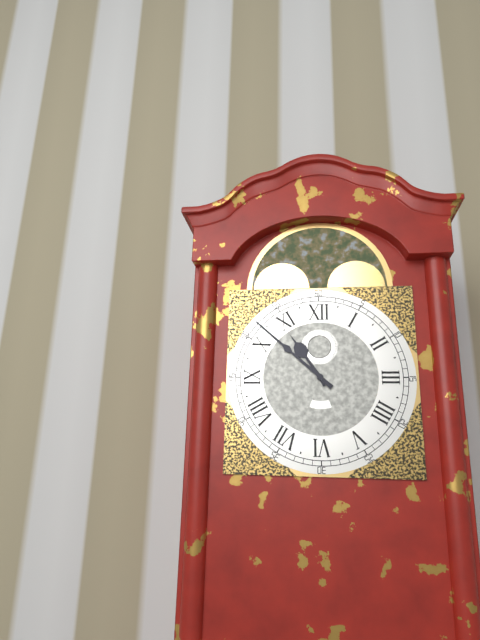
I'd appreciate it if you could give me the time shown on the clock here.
10:52
